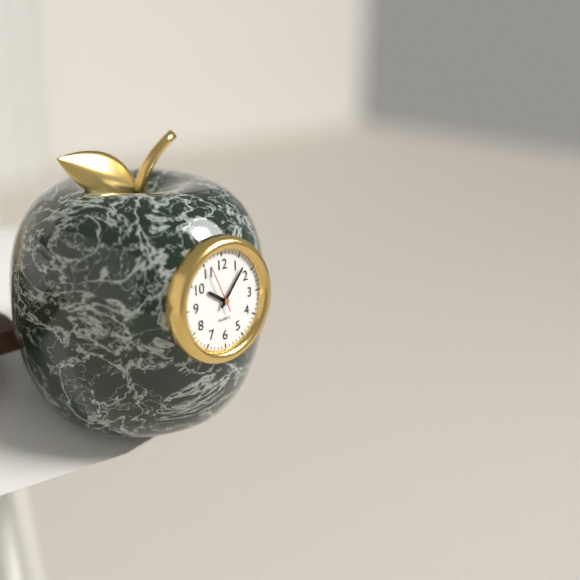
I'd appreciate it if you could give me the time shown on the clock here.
10:07
